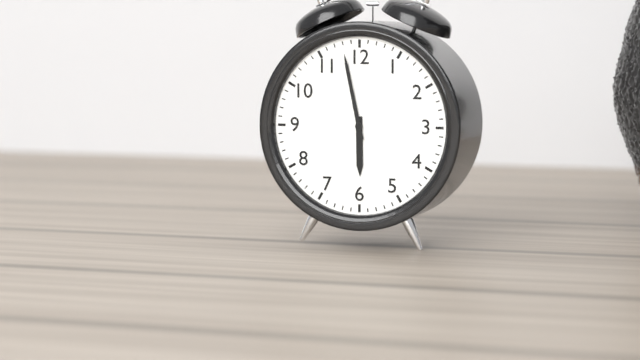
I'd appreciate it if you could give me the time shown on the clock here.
5:58
